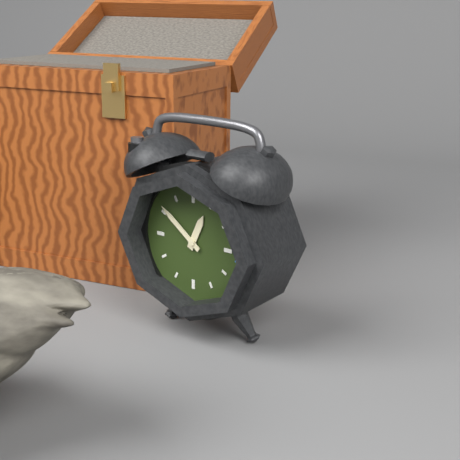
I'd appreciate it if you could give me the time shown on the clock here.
12:51
